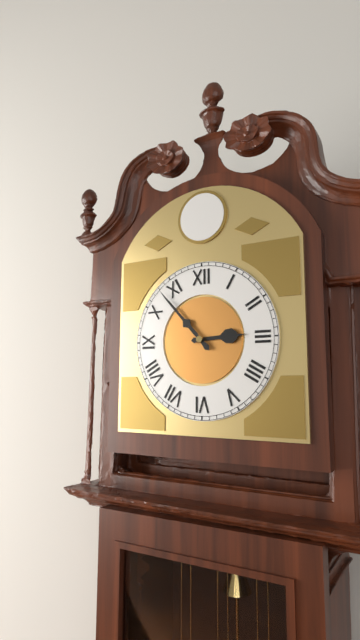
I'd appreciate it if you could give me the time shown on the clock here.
2:53
